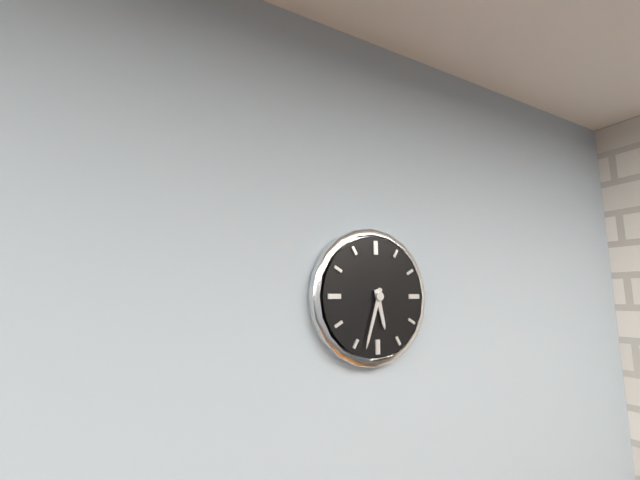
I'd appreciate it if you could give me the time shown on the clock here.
5:33
